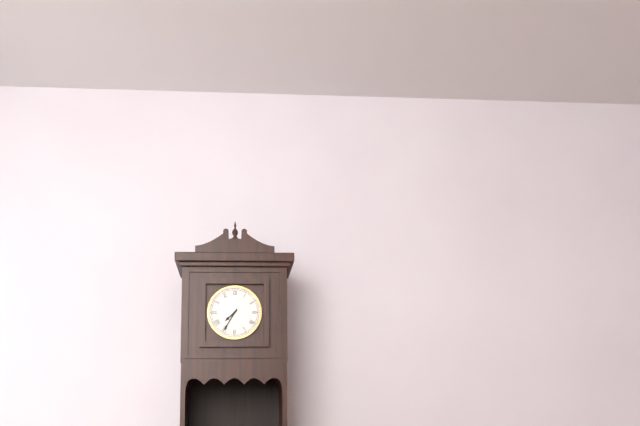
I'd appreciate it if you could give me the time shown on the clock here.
7:35
